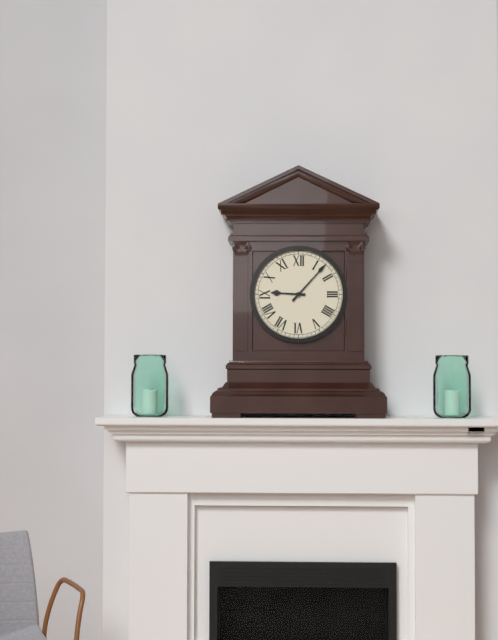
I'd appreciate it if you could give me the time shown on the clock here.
9:07
